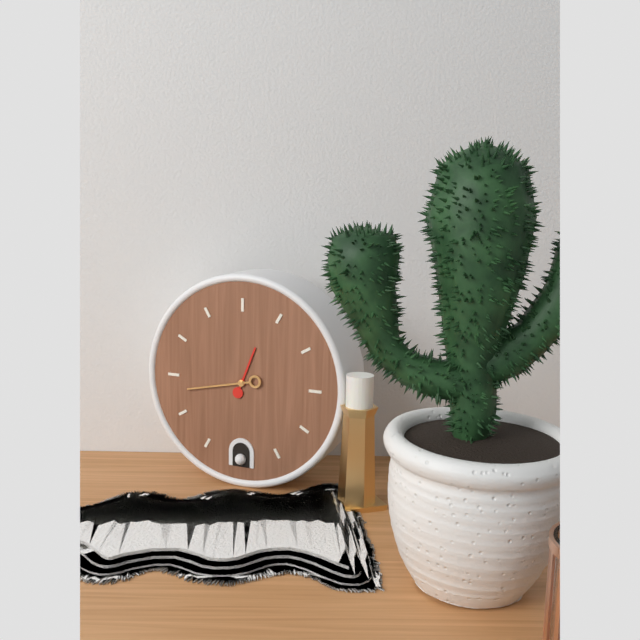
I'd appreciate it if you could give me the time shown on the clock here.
12:43
